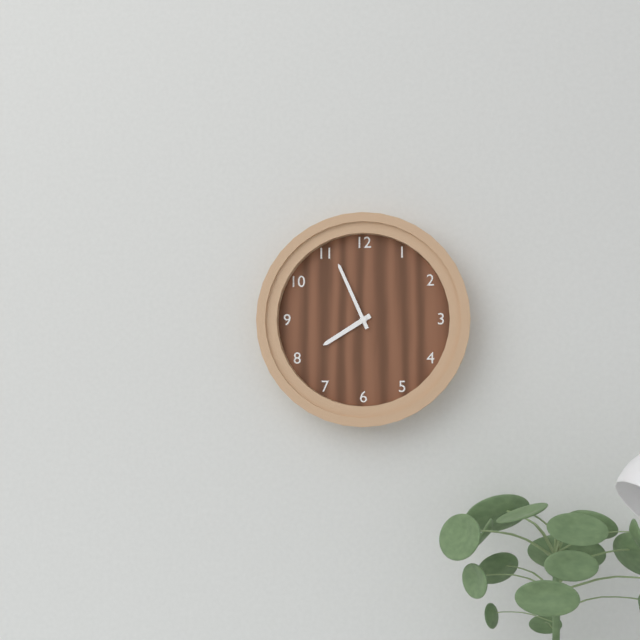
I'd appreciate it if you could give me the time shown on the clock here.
7:56
